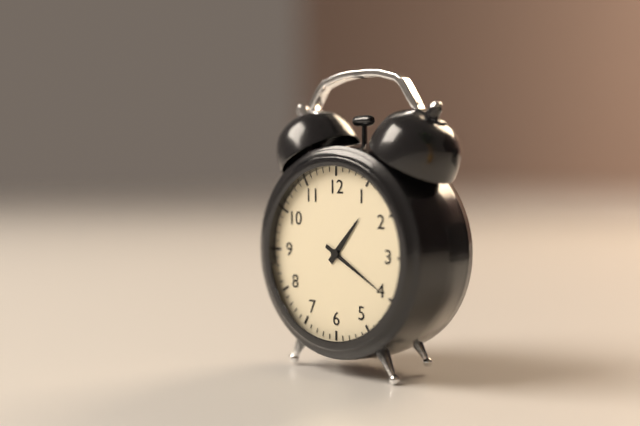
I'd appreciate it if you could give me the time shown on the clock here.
1:20
